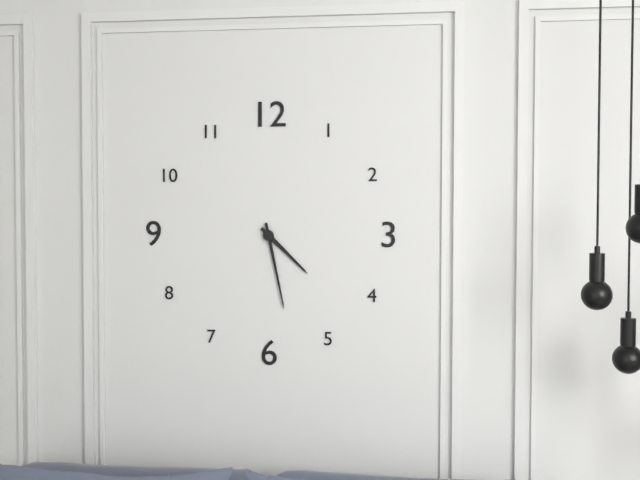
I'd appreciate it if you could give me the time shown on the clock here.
4:28
